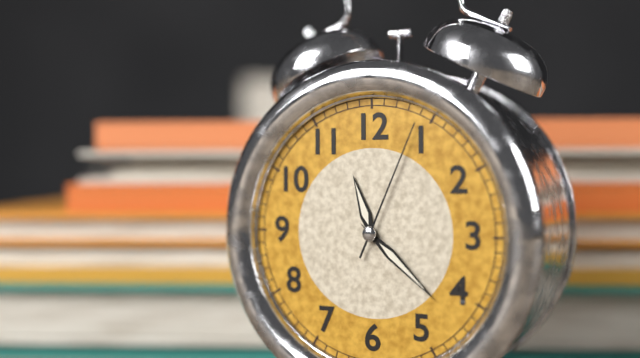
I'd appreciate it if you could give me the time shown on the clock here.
11:22:04
